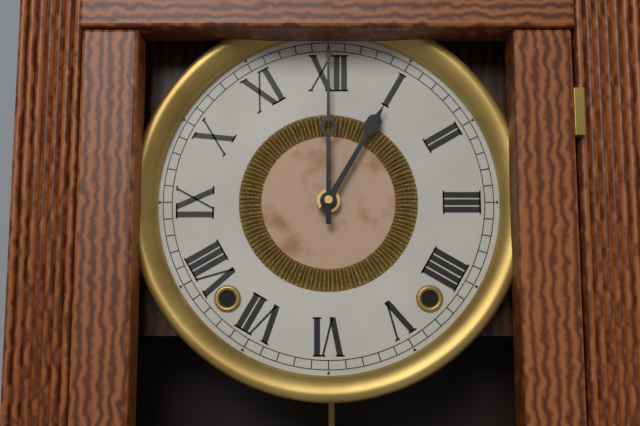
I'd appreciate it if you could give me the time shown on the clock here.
1:00
